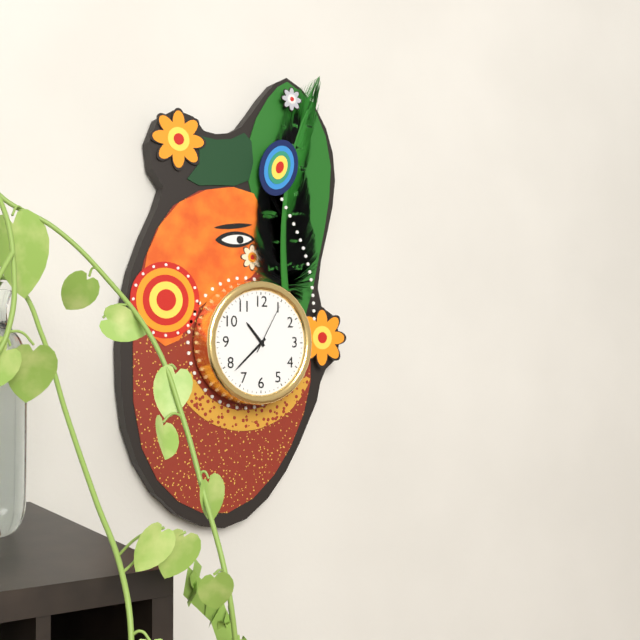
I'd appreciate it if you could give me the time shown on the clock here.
10:38:05
